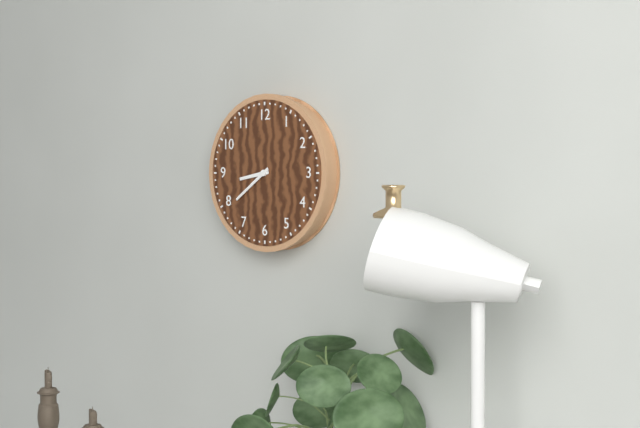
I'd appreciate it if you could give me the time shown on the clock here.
8:39
